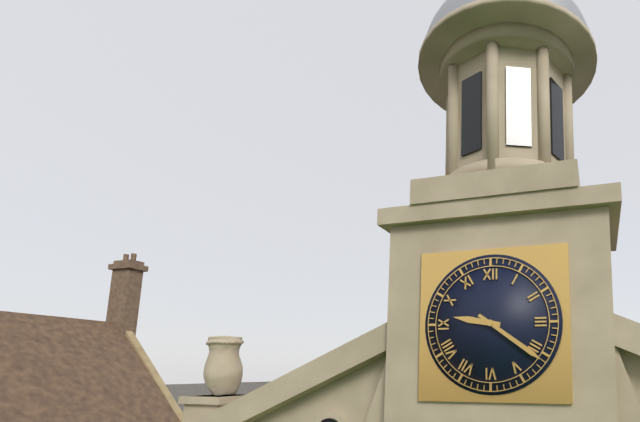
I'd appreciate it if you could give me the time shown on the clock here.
9:21
